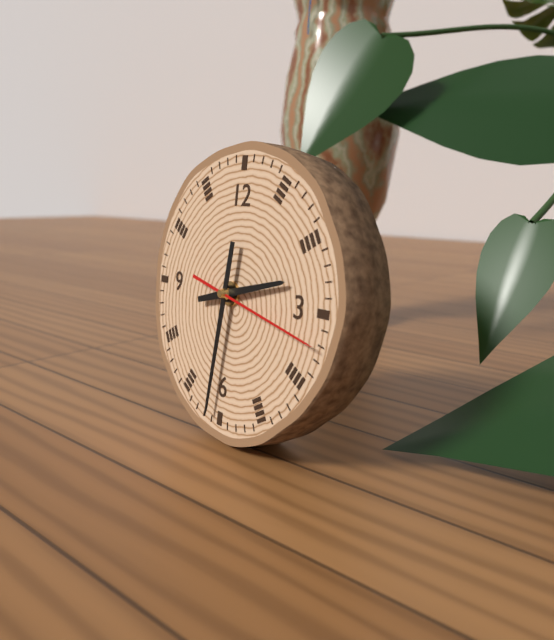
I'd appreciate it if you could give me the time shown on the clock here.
2:31:17
